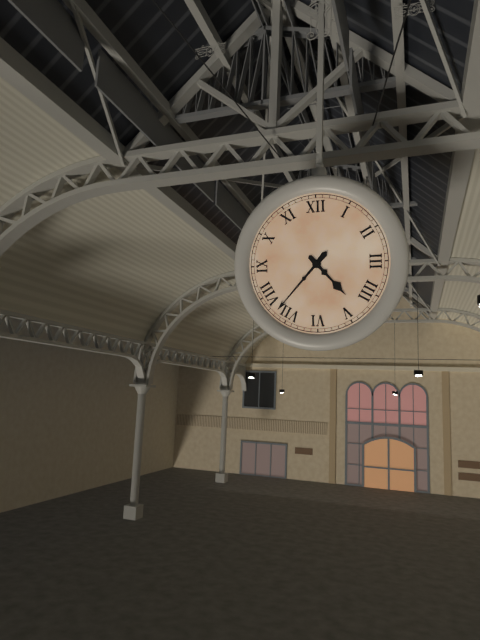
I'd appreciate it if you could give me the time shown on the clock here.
4:37
